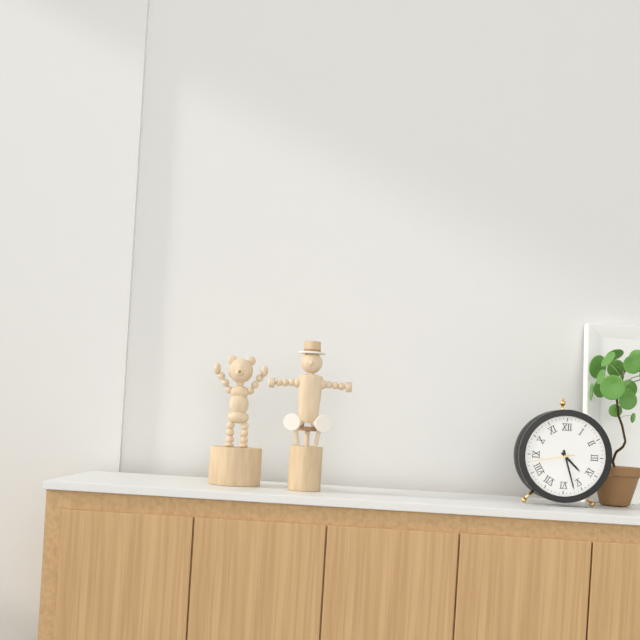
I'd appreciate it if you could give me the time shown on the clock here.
4:27
